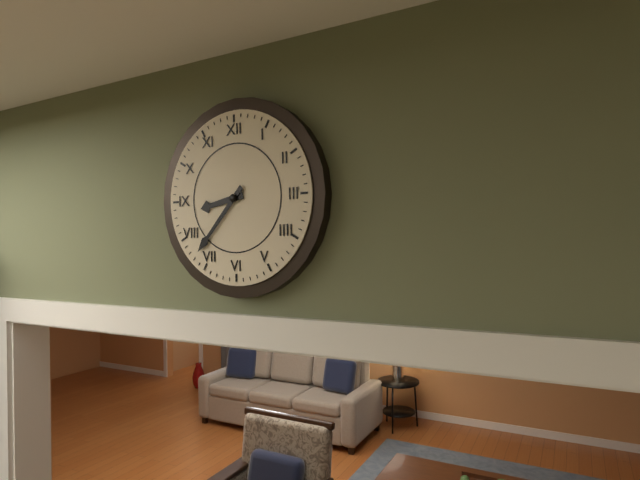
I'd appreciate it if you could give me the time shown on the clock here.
8:37
